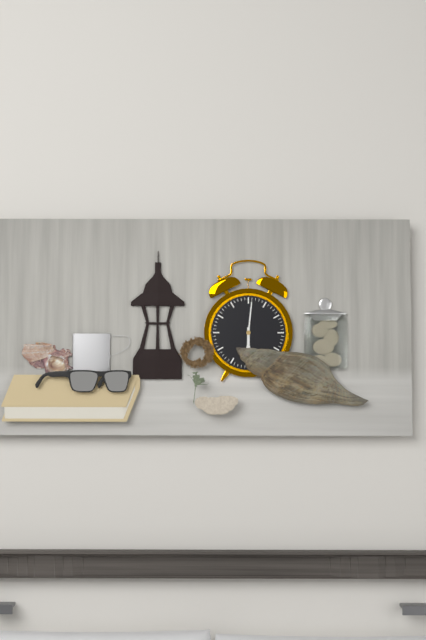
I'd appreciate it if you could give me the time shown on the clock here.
6:01
